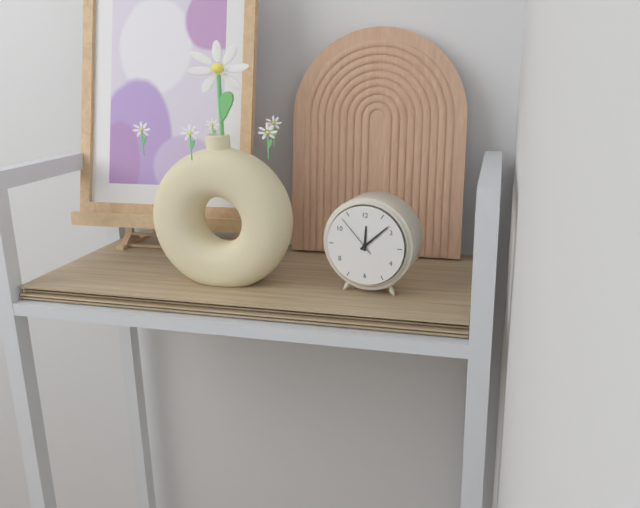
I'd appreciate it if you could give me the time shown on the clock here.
12:08
